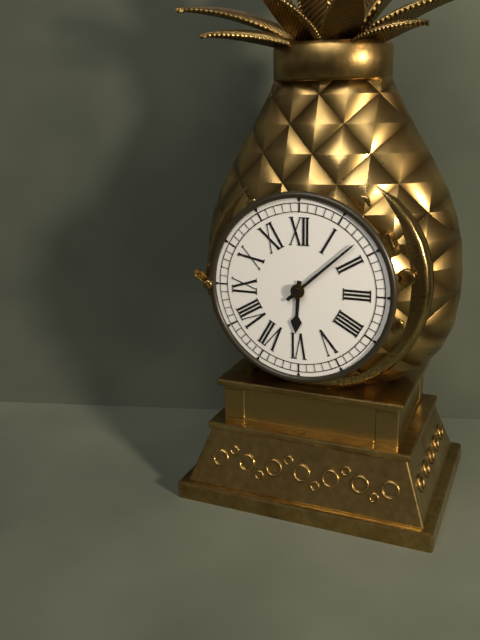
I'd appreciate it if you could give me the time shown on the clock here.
6:08
